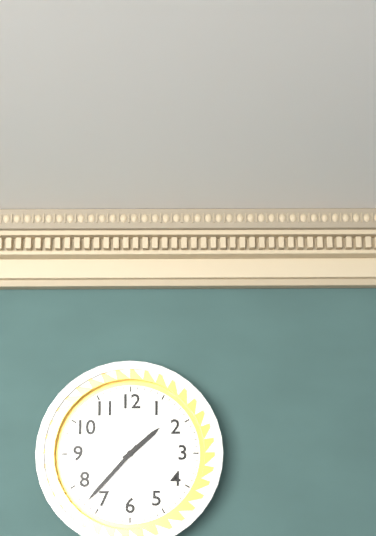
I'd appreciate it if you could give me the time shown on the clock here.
1:37
